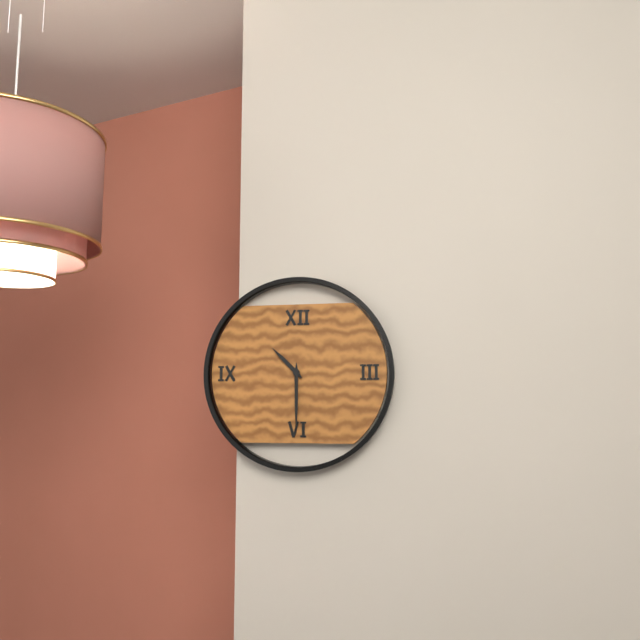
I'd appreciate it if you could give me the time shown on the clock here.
10:30
